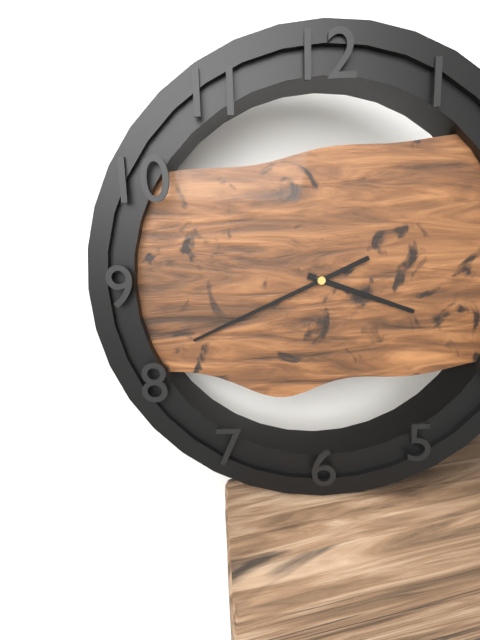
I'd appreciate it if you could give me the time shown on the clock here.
3:41
